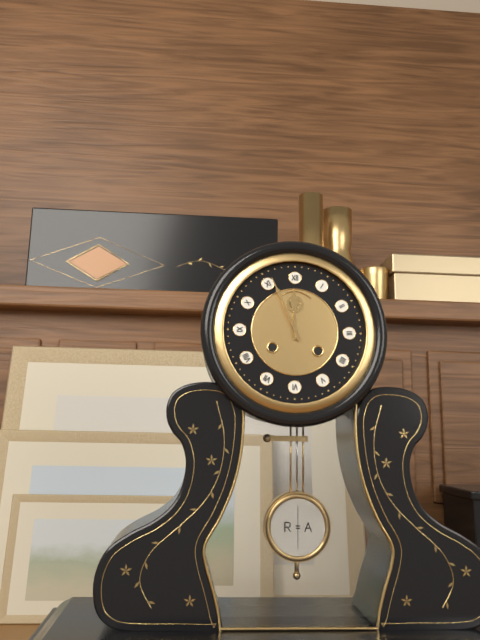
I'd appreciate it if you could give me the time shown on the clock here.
11:56
